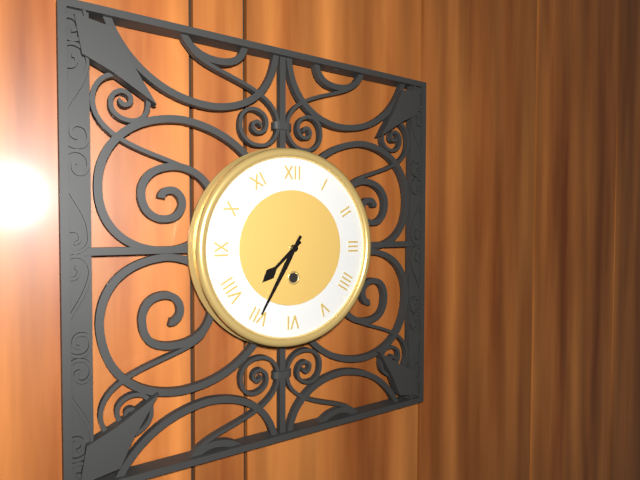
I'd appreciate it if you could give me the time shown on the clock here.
7:35
